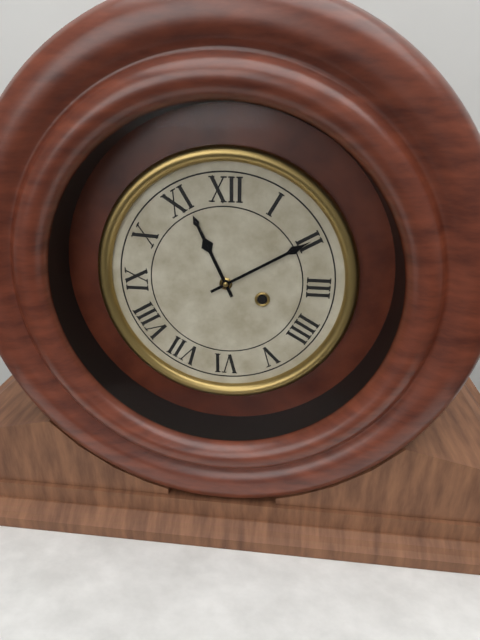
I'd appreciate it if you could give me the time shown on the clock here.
11:10
